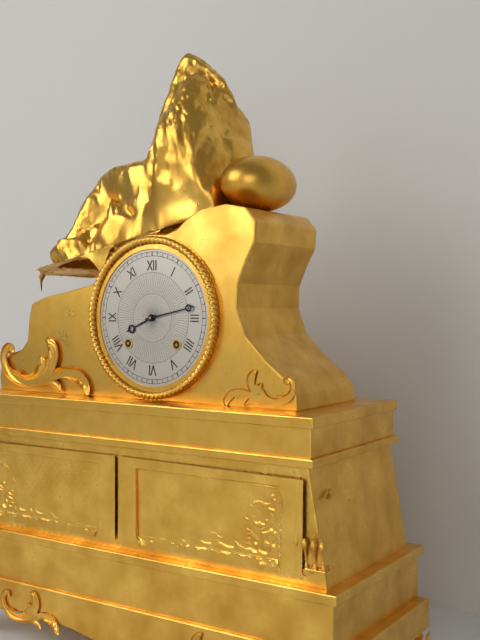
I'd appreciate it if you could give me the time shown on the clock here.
8:13
